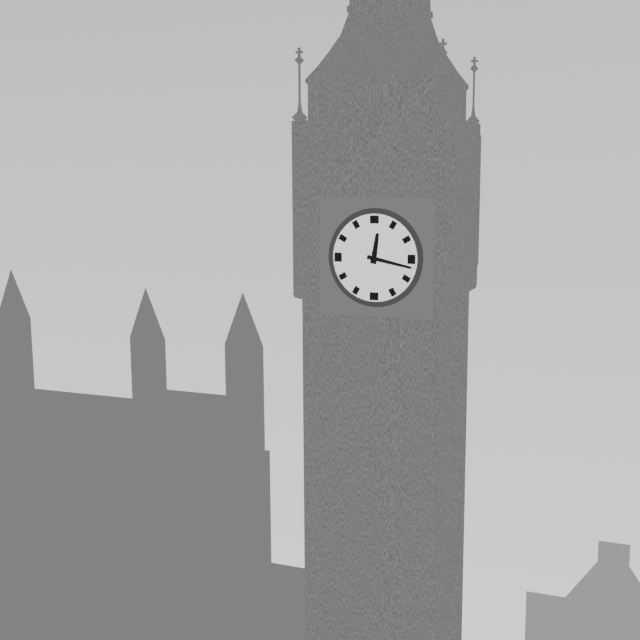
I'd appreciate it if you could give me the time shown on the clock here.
12:17
